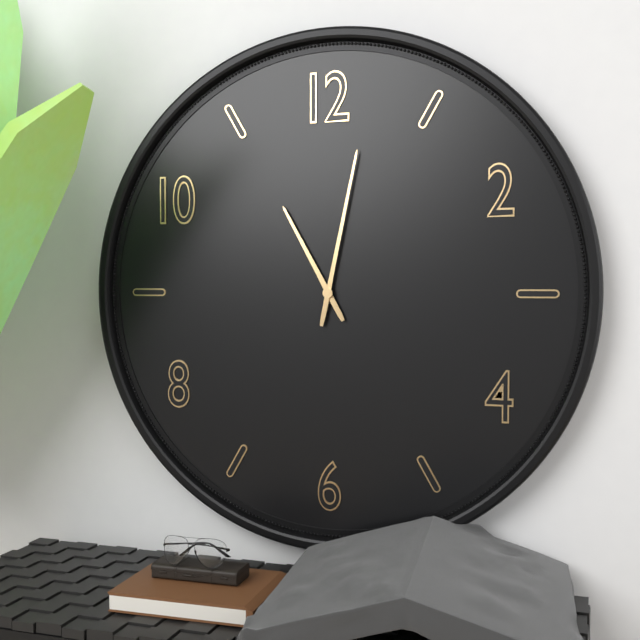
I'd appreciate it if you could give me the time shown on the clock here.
11:02
